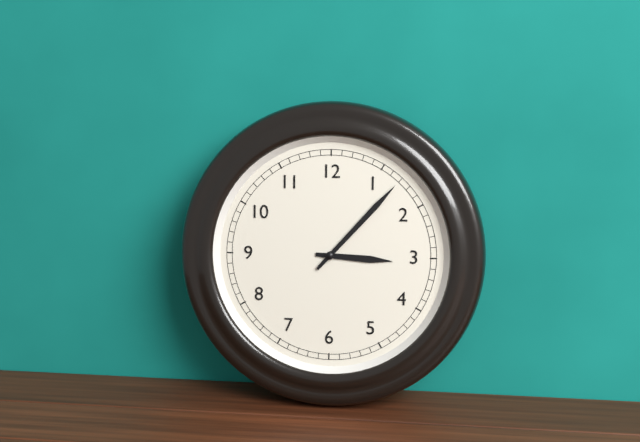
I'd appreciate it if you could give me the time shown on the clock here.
3:07
